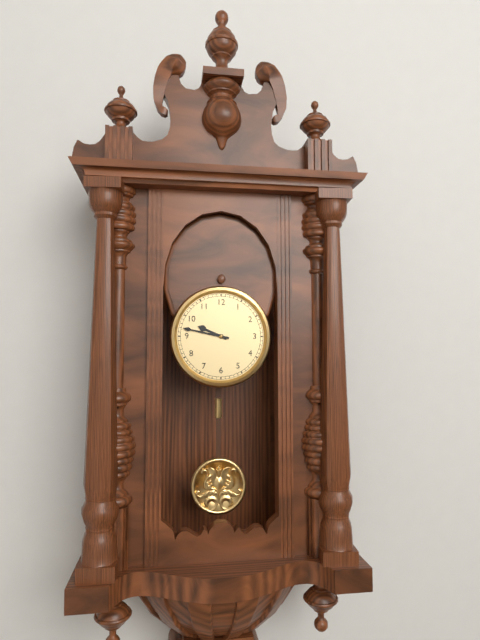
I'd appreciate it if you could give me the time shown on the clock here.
9:47
